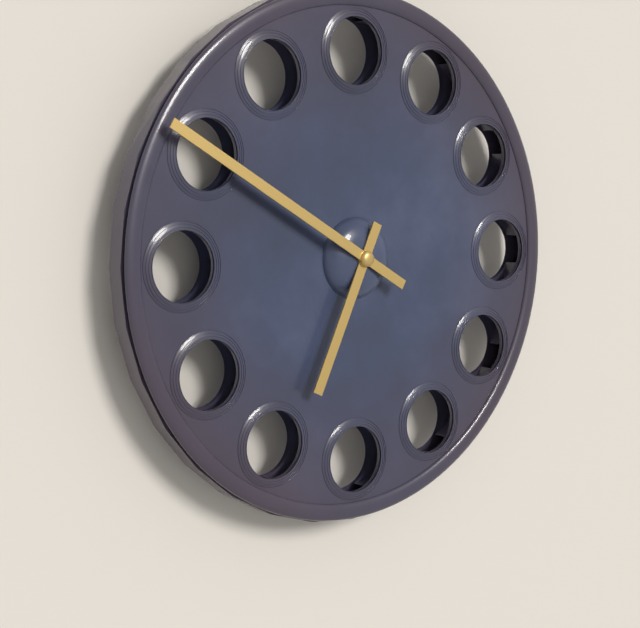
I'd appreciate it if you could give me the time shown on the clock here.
6:50
